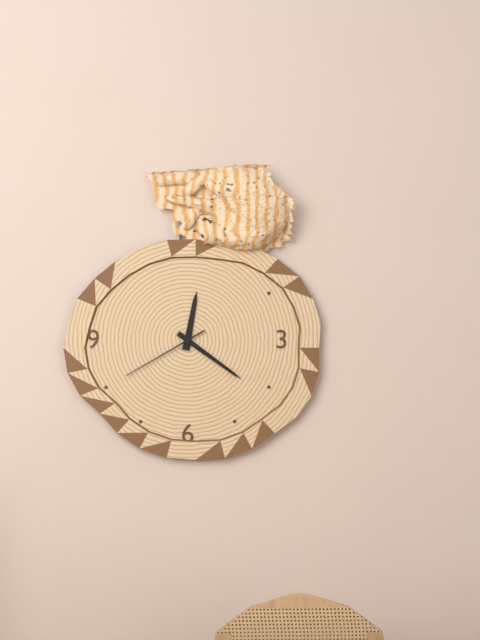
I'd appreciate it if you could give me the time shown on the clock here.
12:21:40
